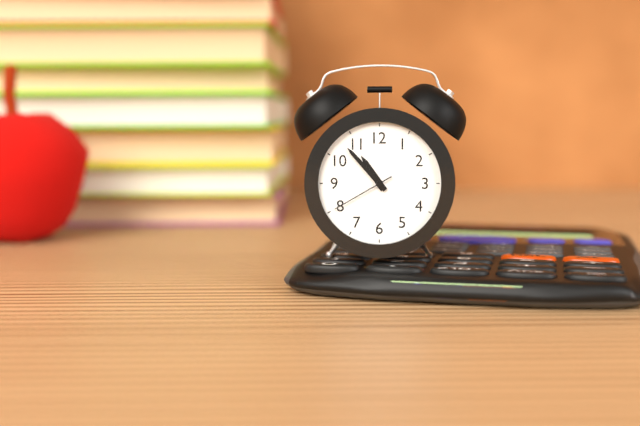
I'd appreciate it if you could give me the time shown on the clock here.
10:53:40
